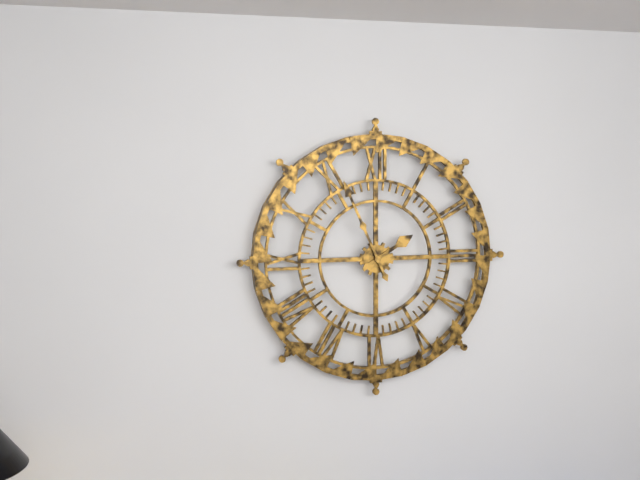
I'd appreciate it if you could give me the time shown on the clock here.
1:56
